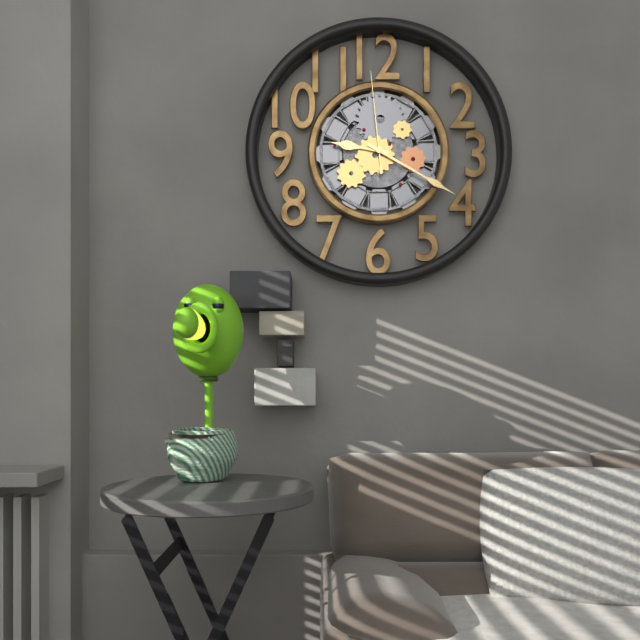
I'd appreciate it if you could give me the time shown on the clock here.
9:20:59
